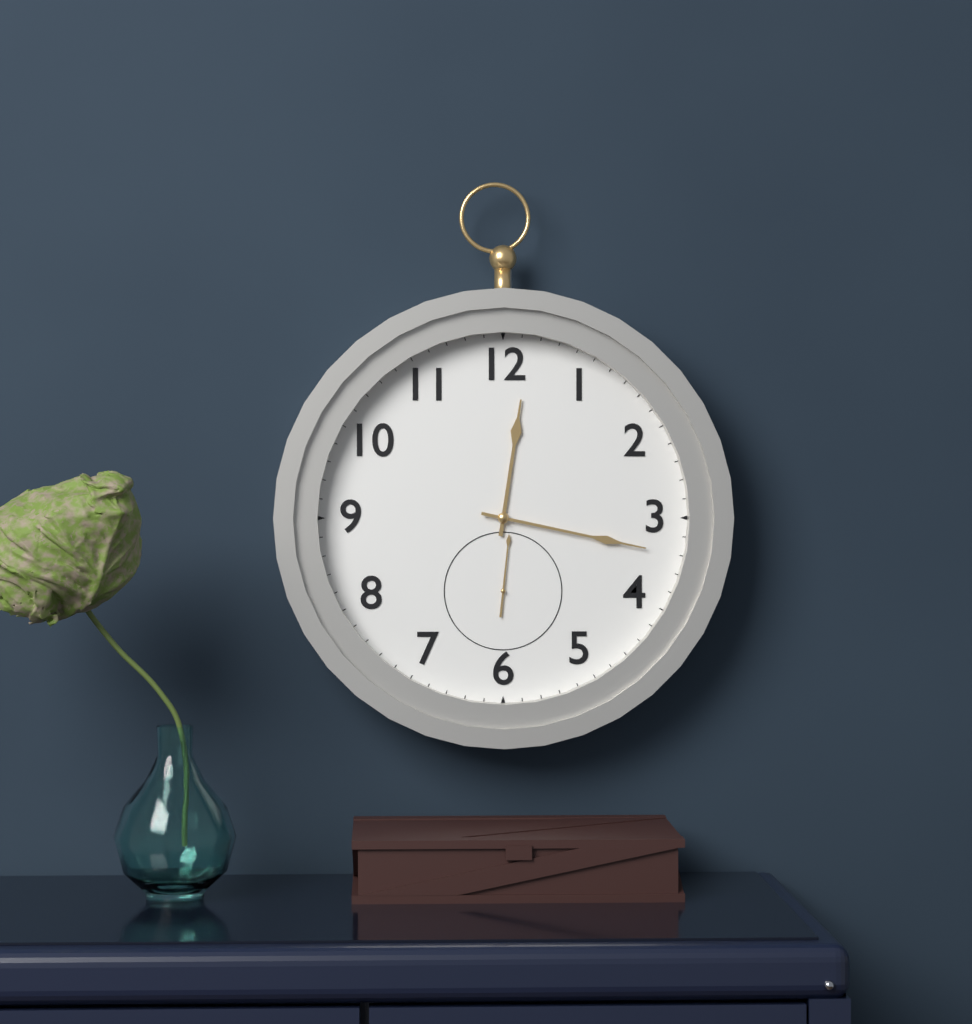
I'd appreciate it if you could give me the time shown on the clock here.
12:17:01
